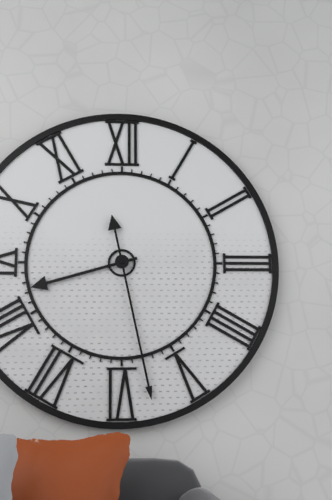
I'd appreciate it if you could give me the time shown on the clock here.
8:28
